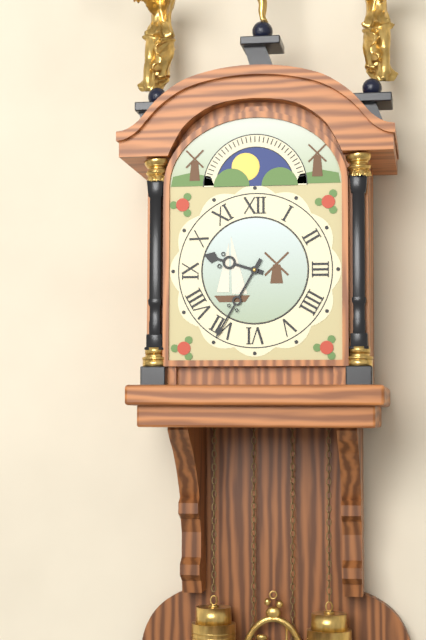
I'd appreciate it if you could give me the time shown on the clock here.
9:35
